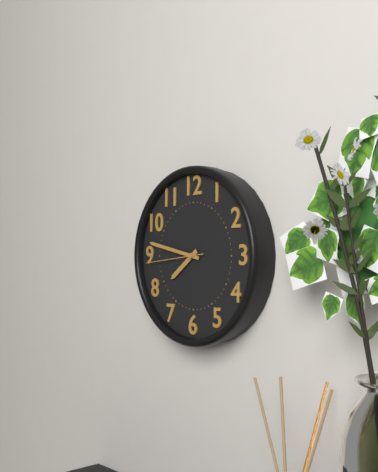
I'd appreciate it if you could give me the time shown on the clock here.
7:47:44
